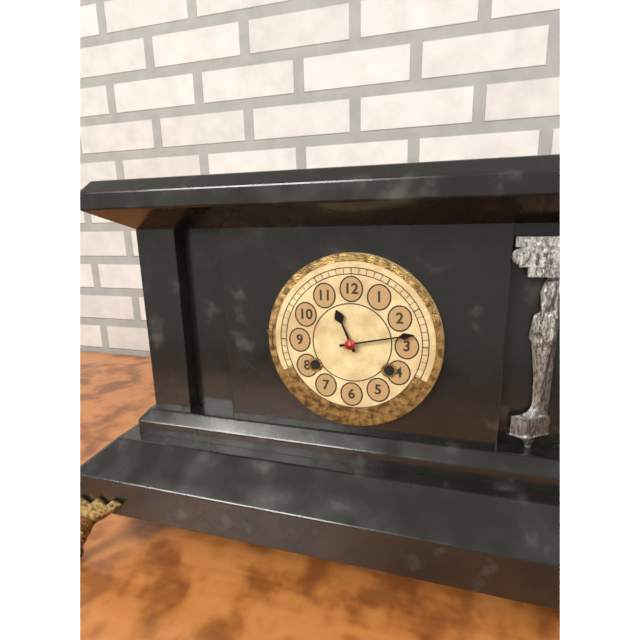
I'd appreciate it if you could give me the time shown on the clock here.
11:13
